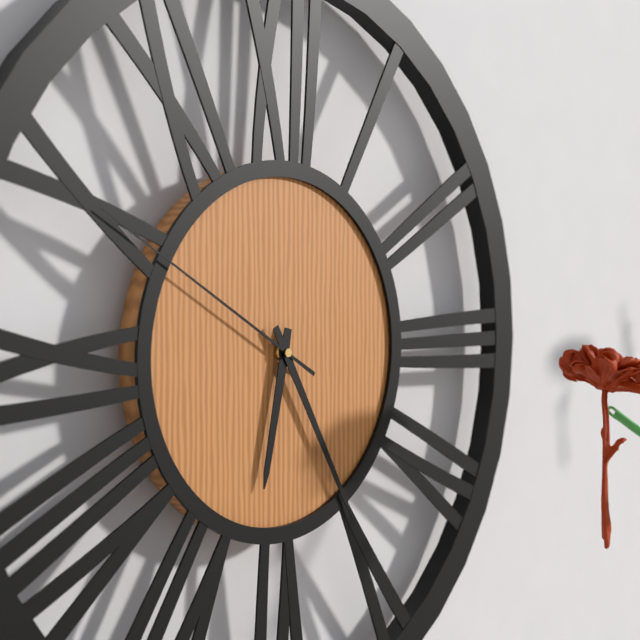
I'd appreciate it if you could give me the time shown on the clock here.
6:25:50
